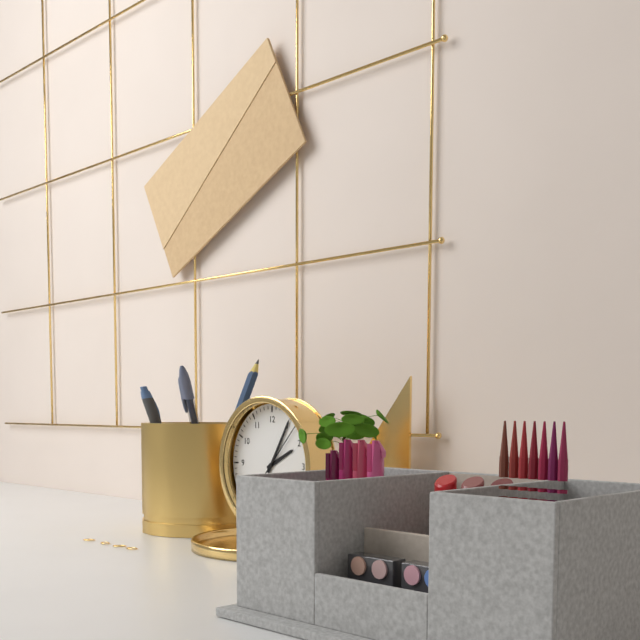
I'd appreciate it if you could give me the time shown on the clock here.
2:05:07
